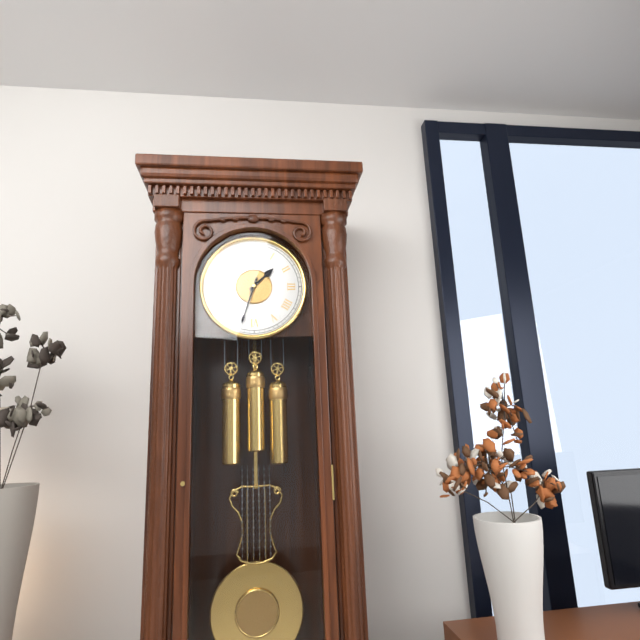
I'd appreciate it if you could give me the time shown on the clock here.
1:33
